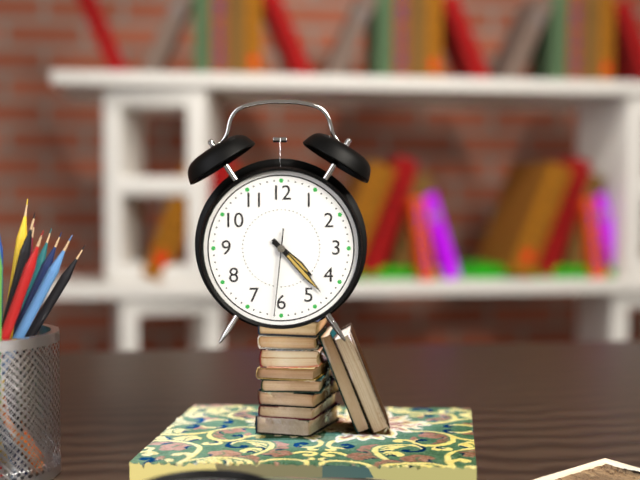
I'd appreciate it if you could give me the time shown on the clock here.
4:23:31
